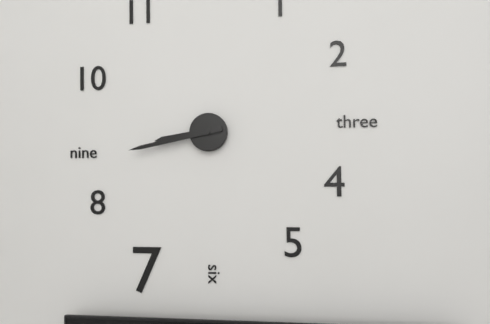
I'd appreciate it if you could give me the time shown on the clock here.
8:43
